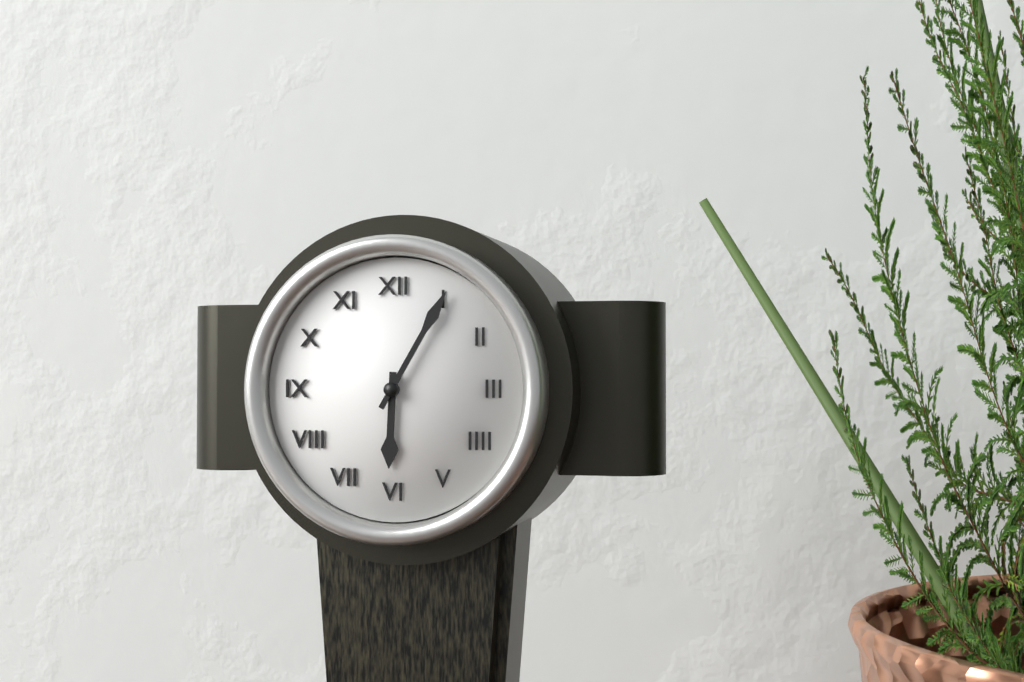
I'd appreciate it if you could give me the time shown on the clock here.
6:05
